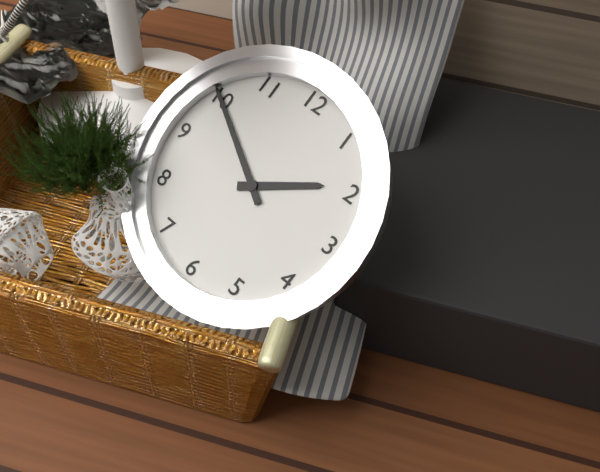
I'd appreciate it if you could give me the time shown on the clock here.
1:50
